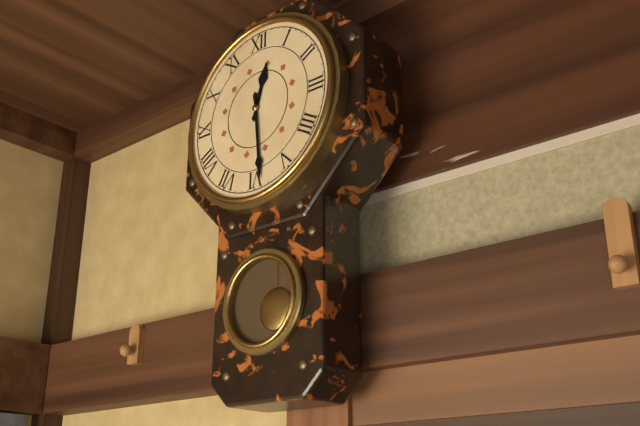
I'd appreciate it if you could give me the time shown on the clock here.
12:29
